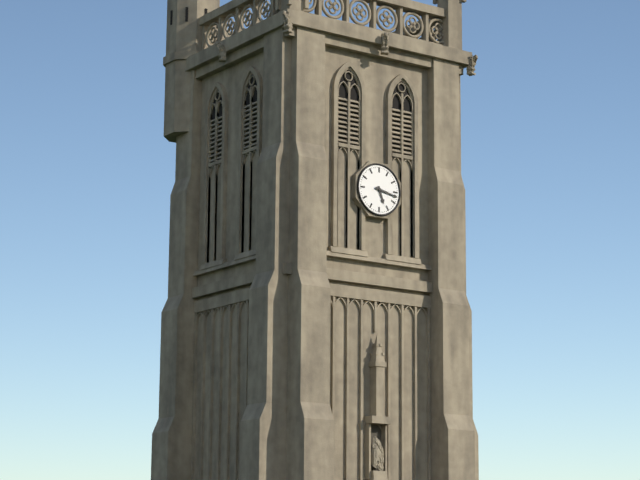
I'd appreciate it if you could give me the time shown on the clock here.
5:17
